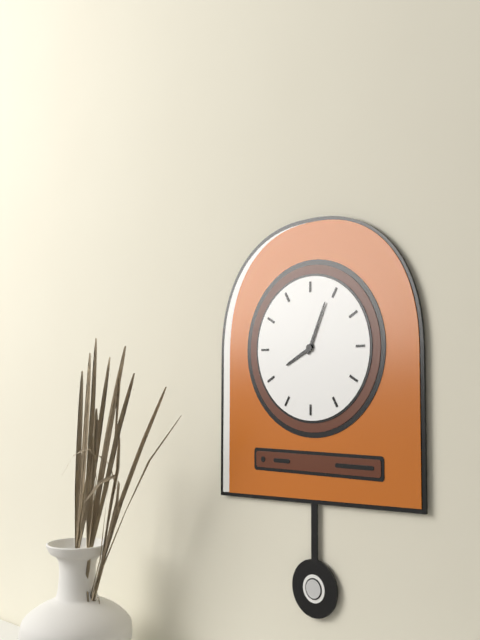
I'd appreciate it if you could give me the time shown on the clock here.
8:04
